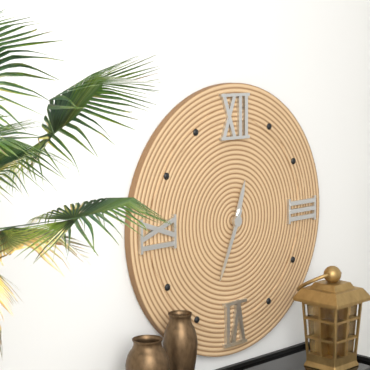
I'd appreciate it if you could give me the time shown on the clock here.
12:34
